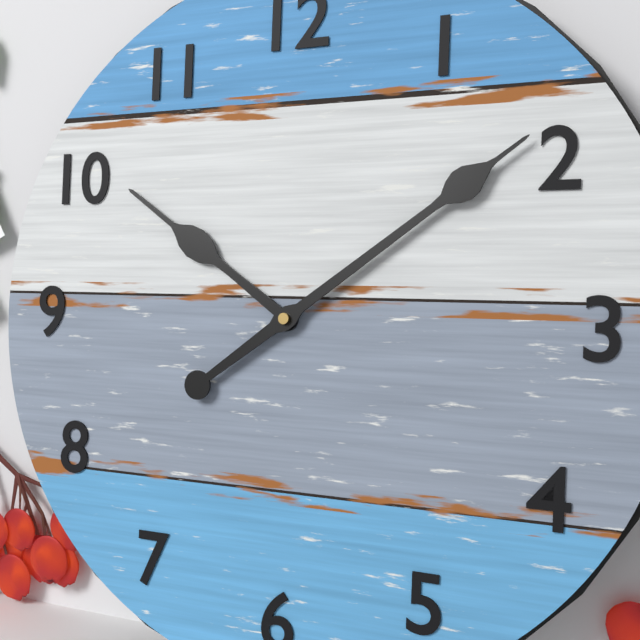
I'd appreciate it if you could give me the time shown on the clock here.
10:09
